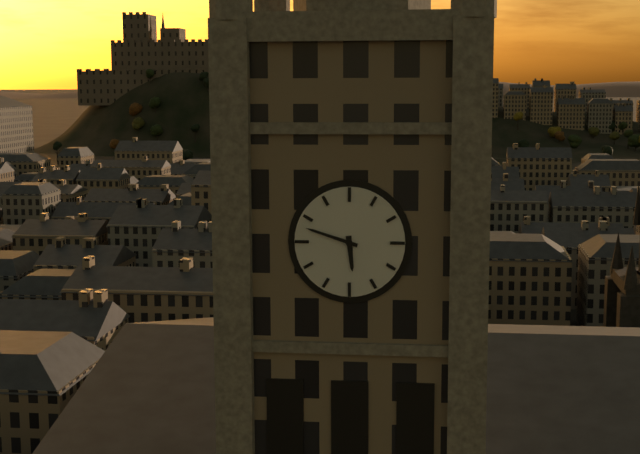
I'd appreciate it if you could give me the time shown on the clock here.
5:48
